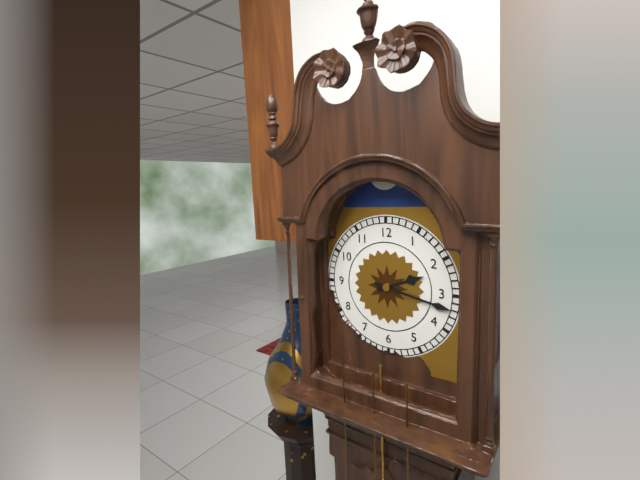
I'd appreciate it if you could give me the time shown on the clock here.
2:17
